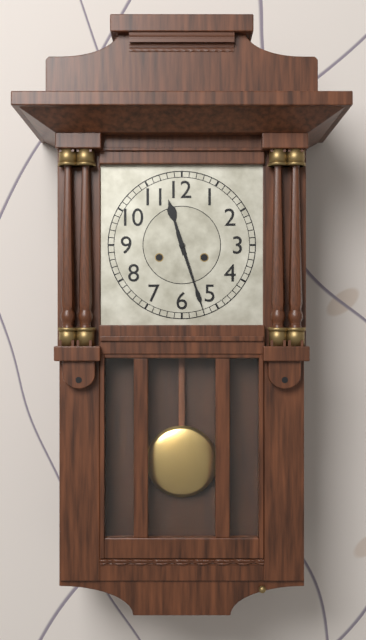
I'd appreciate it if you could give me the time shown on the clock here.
11:27
